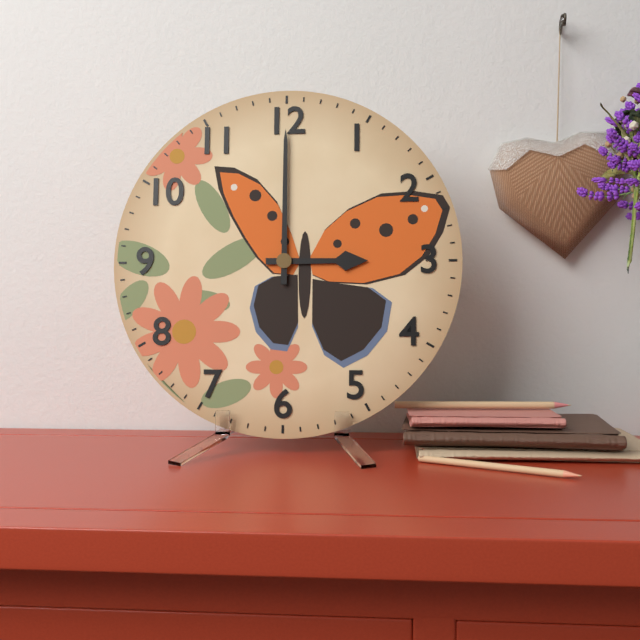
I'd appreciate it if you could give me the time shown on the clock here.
3:00
